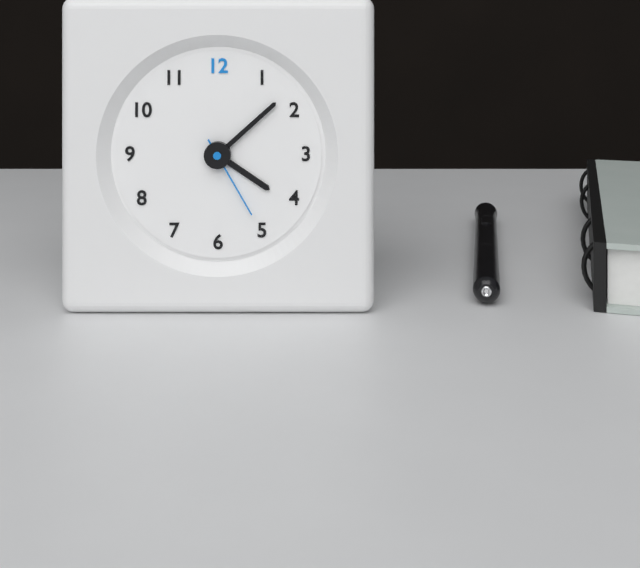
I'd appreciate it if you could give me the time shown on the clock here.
4:08:25
